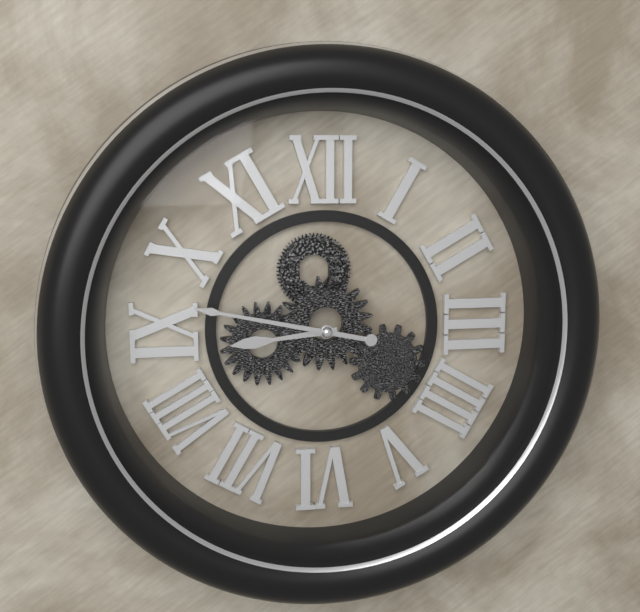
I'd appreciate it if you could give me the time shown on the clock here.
8:47
